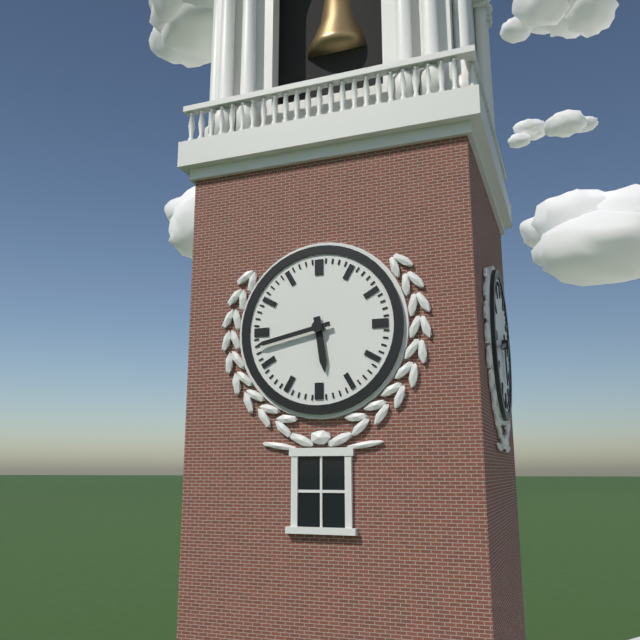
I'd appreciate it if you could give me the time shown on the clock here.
5:43
